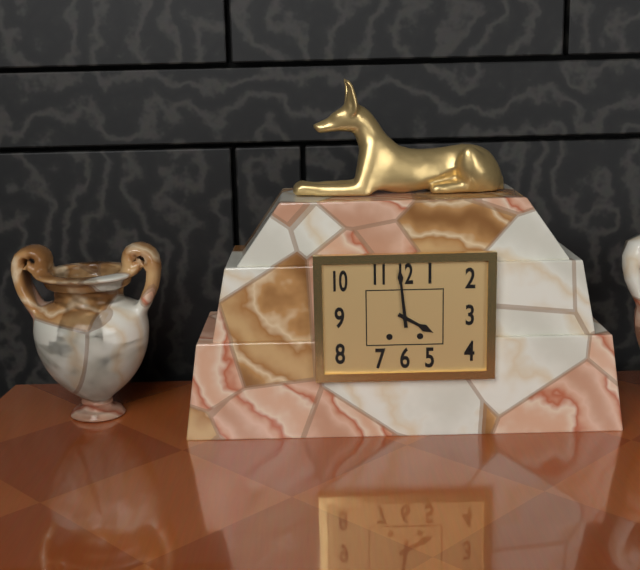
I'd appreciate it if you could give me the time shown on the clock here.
3:59
